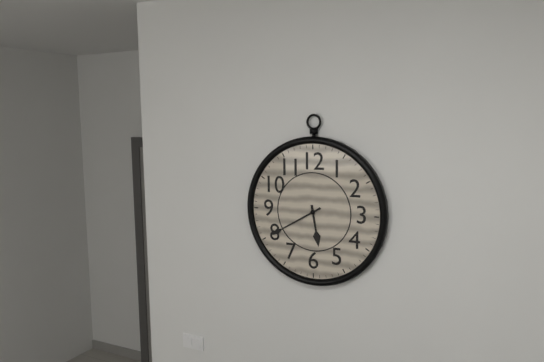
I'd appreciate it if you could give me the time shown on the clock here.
5:40
